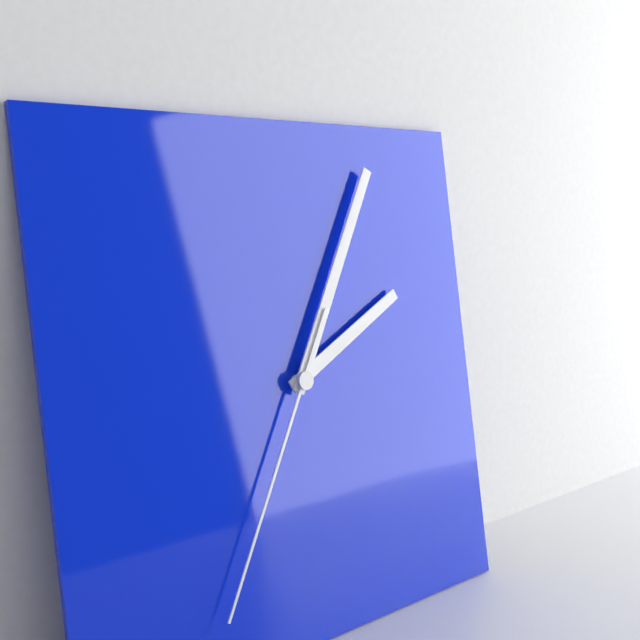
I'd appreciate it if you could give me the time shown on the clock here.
2:05:35
